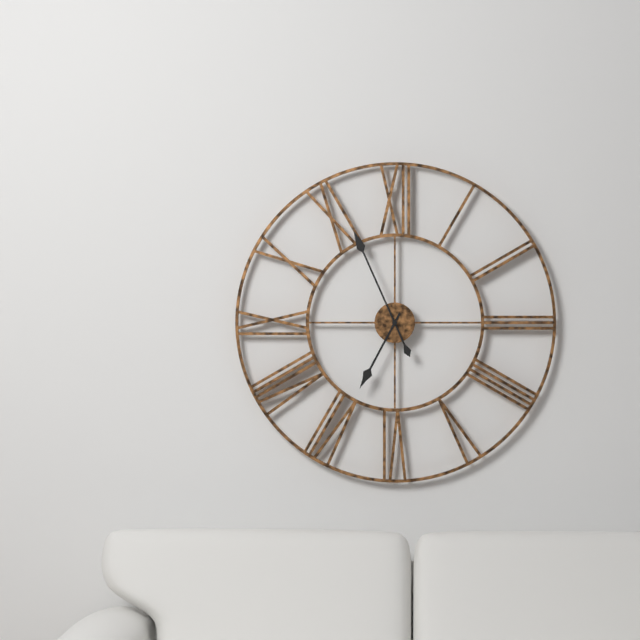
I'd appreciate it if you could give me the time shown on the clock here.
6:56
